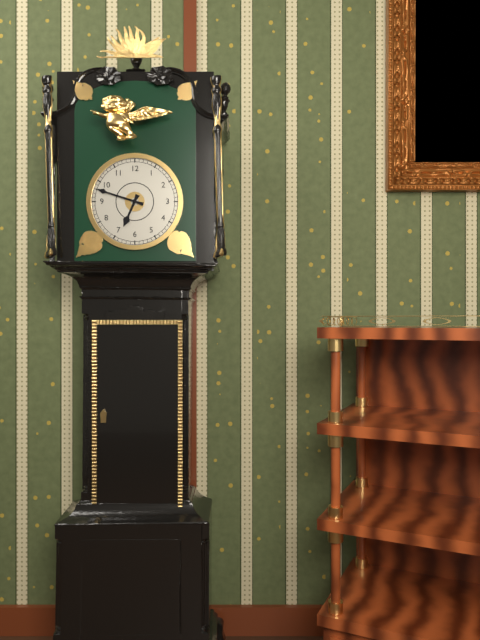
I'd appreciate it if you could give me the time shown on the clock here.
6:48
